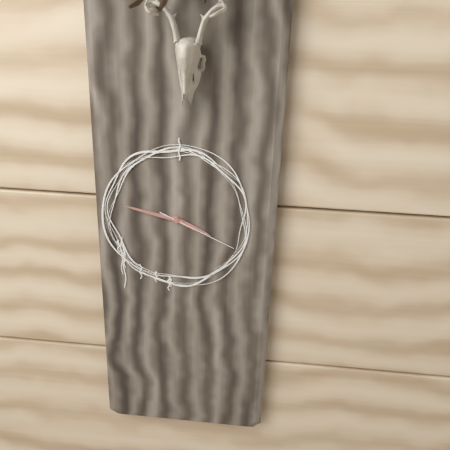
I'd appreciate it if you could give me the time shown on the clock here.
3:47:19
